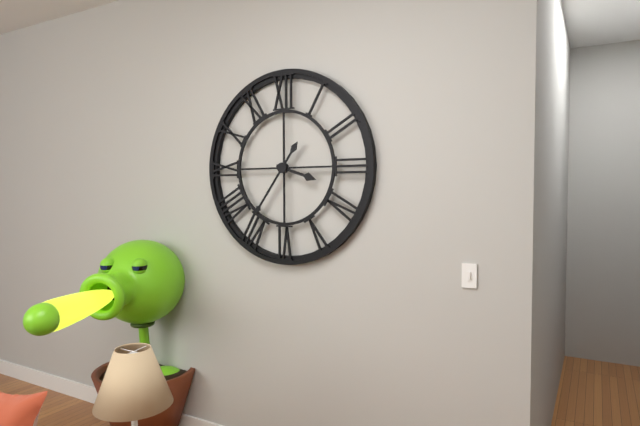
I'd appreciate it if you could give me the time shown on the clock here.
3:36
